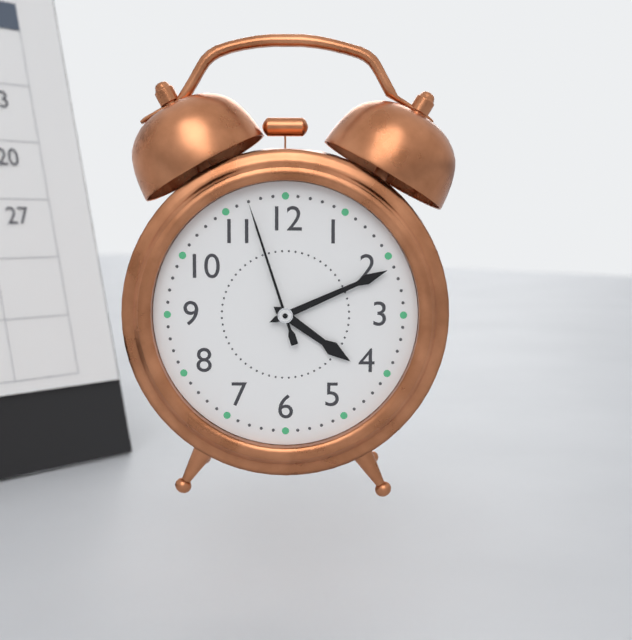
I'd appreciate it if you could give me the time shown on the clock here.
4:11:57
